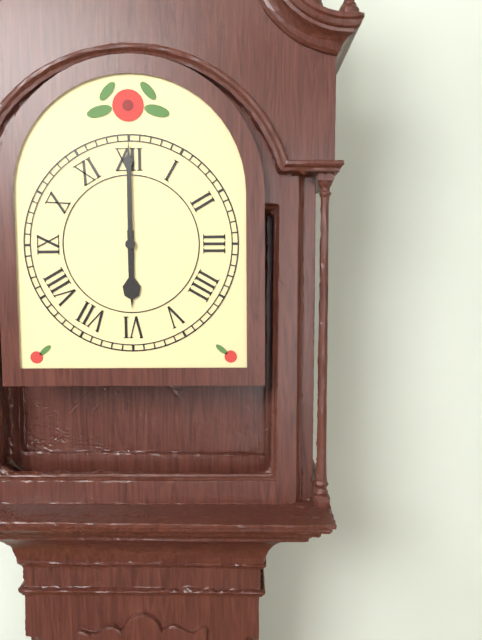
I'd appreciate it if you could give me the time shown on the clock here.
6:00
